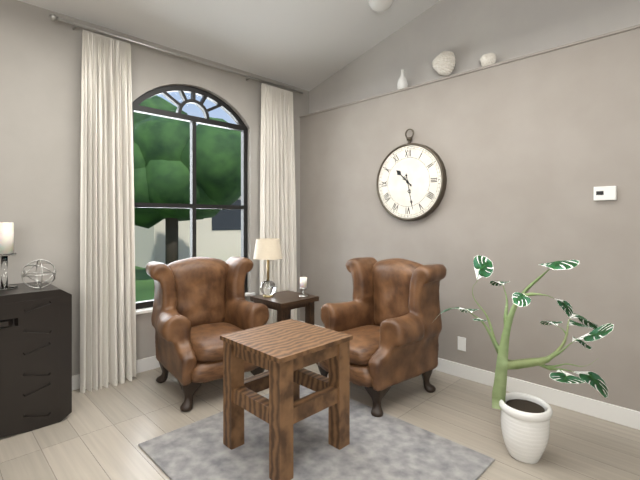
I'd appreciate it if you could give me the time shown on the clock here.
10:28
